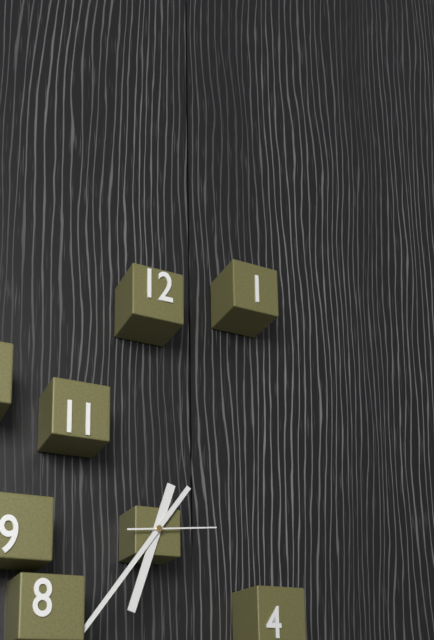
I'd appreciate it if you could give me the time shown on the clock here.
6:36:14
